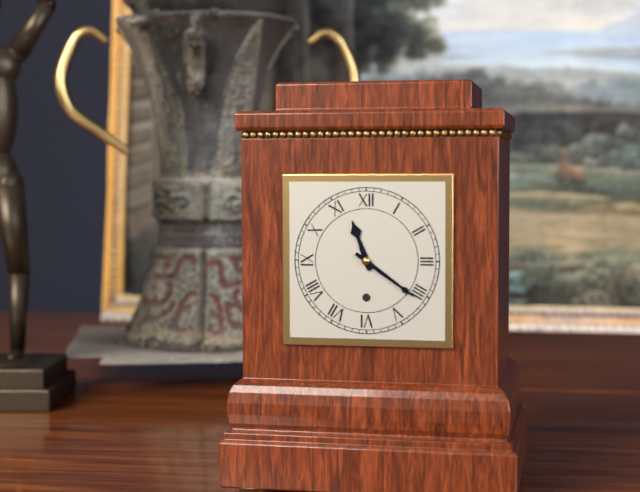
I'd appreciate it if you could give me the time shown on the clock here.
11:21
